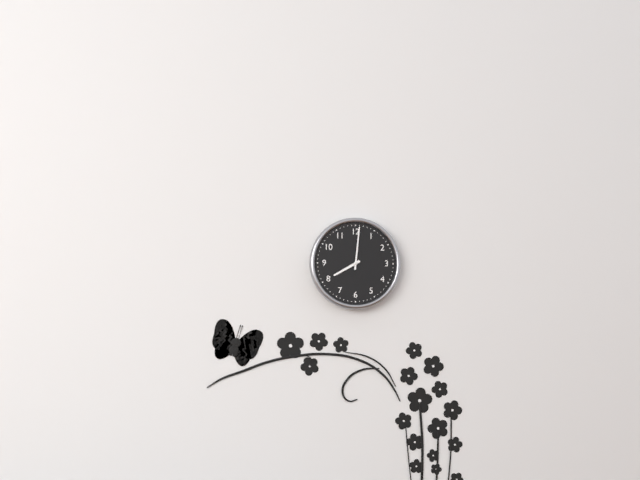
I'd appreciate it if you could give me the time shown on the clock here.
8:01
